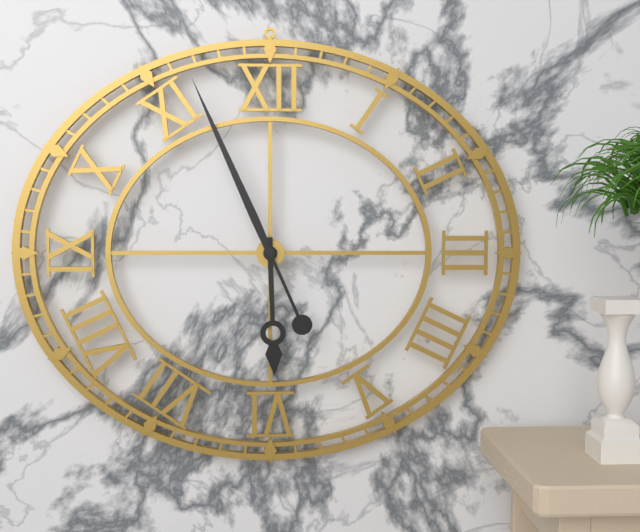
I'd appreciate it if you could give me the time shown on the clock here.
5:56
